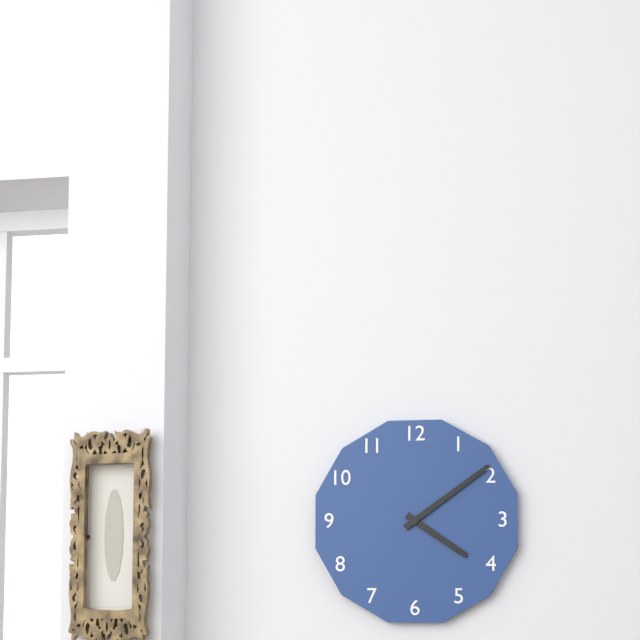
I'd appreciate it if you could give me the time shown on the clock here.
4:09
